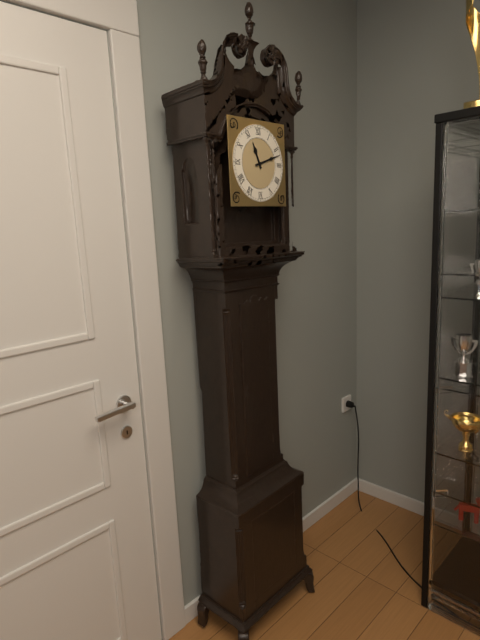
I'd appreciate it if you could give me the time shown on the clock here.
11:12
